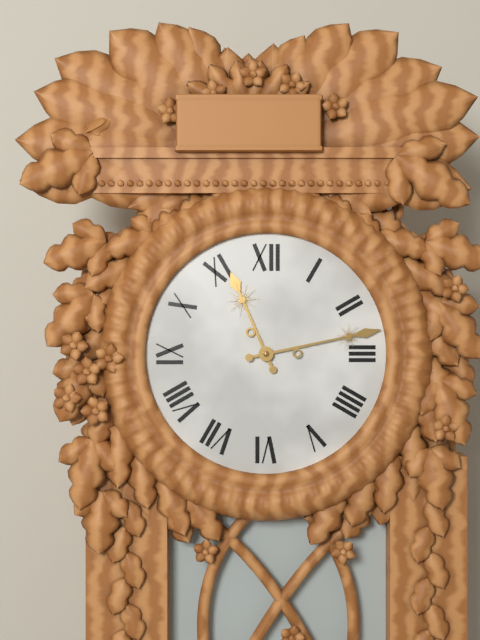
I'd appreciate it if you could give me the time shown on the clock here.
11:13
